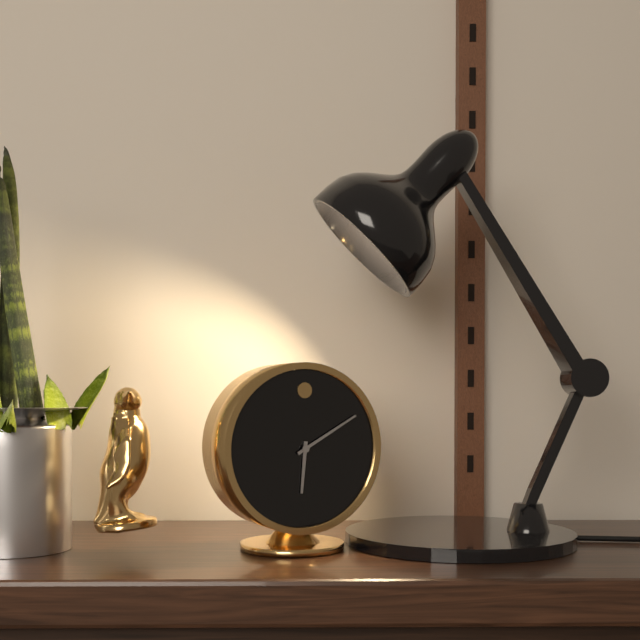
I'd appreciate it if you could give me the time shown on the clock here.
6:10
